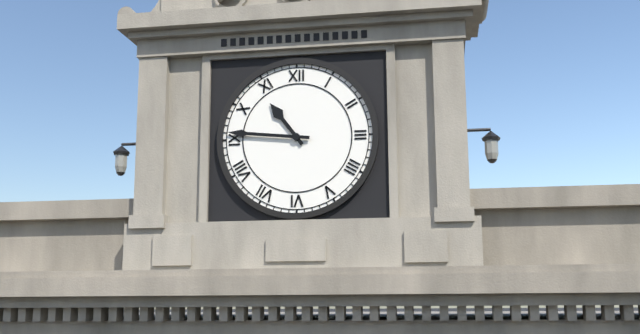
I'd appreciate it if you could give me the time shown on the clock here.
10:46
